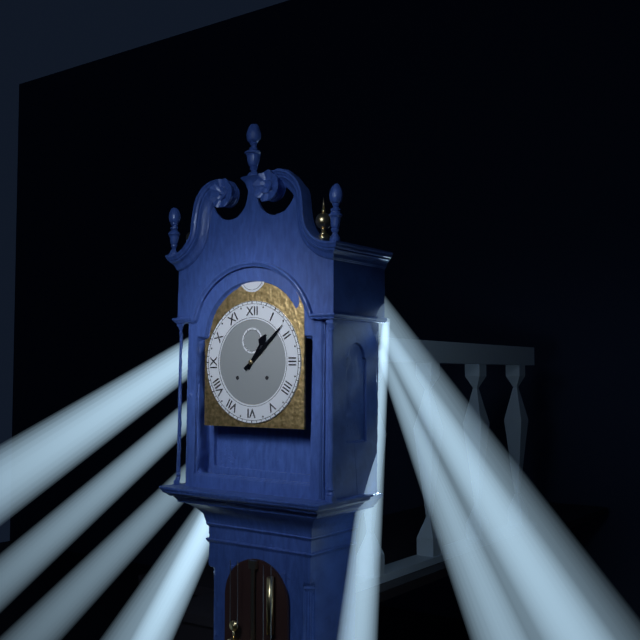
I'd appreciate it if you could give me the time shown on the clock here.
1:08
